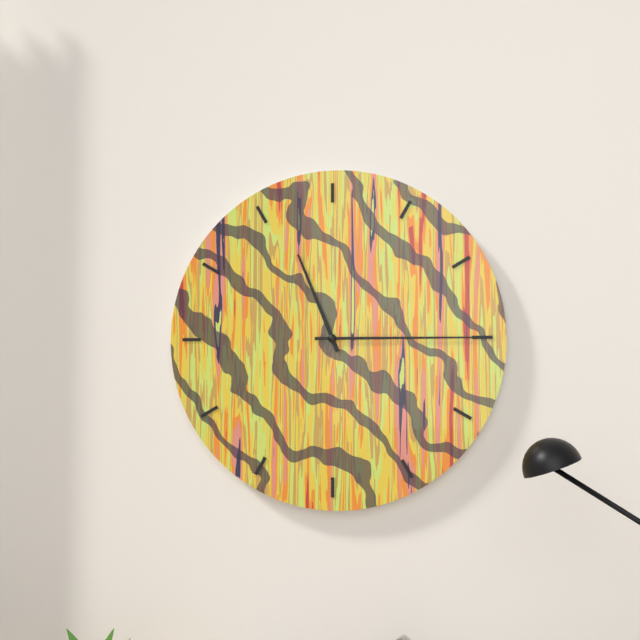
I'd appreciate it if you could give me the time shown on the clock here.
11:15
